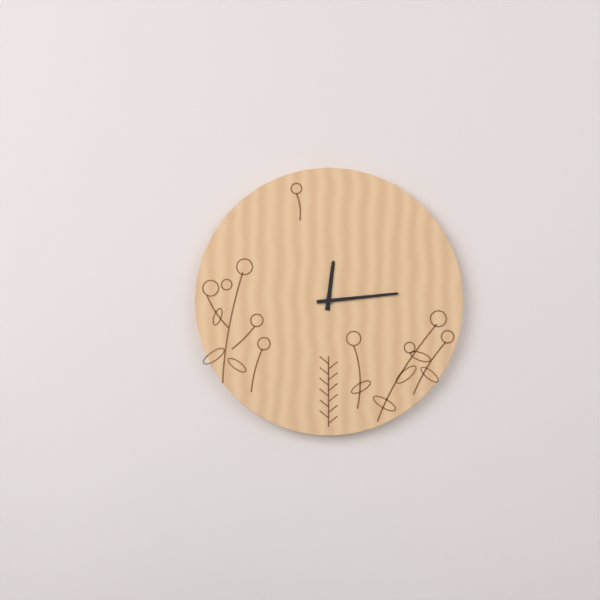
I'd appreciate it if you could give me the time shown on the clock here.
12:14
